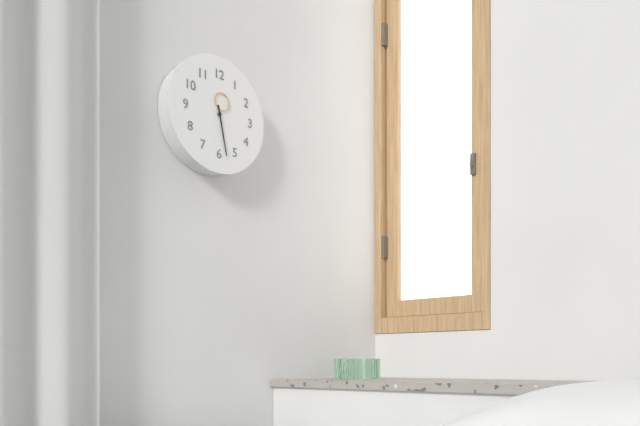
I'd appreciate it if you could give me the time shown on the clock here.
12:28
